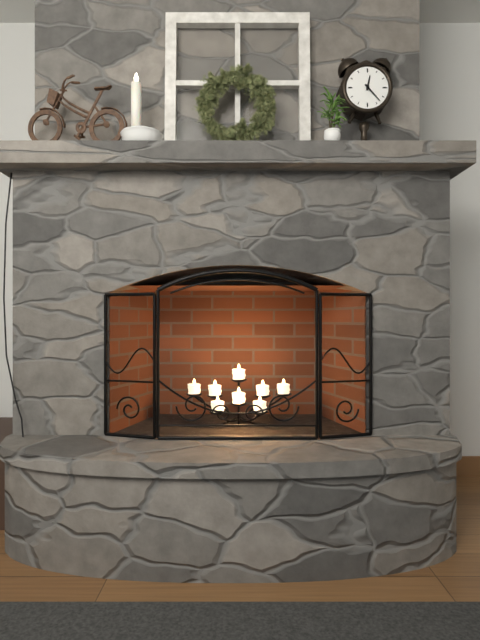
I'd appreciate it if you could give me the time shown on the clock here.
12:23
